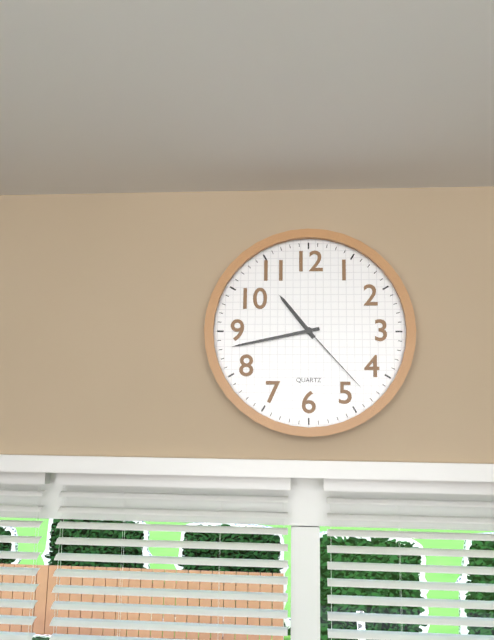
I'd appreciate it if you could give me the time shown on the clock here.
10:43:23
